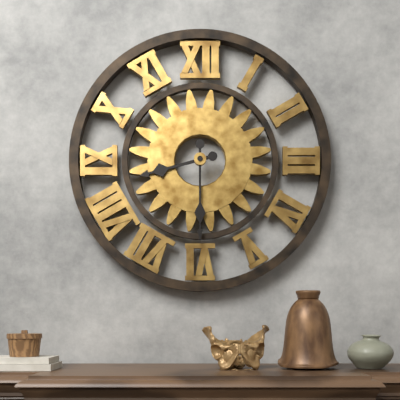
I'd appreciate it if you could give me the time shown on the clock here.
8:30
